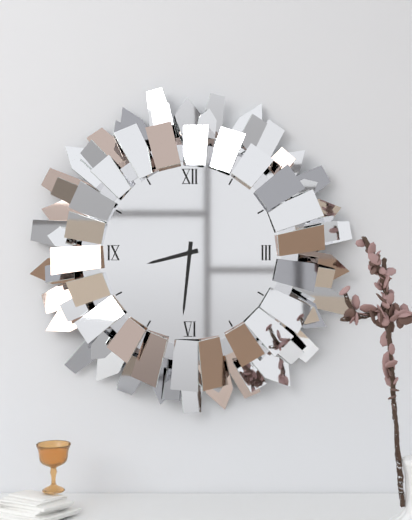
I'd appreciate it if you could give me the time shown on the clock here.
8:31
